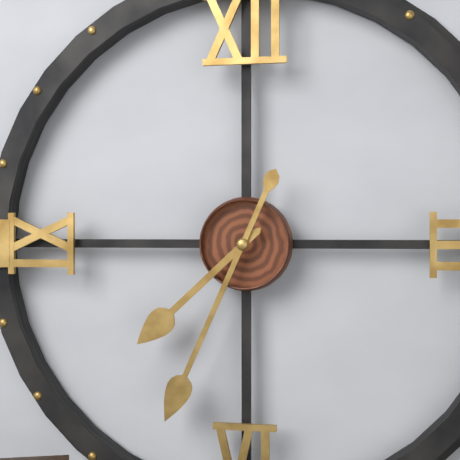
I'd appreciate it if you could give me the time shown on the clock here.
7:34
